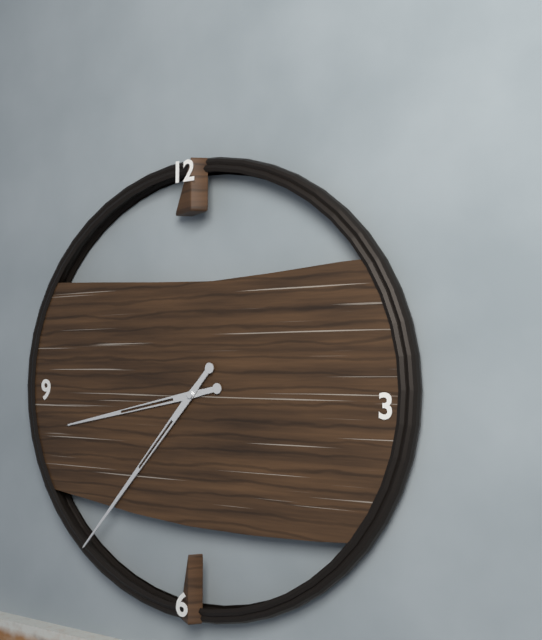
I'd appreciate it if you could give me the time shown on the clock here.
8:37
